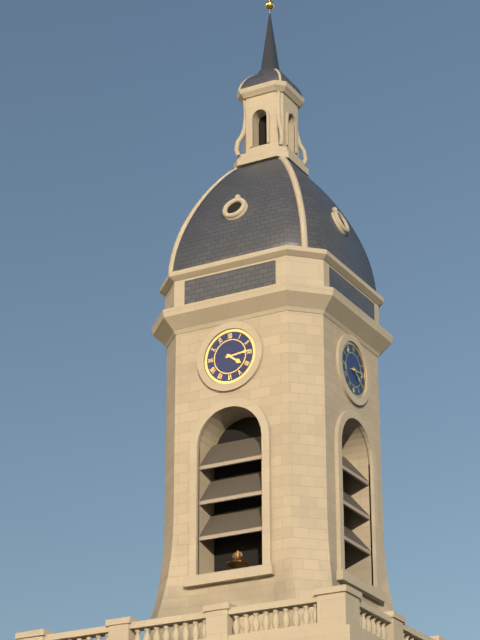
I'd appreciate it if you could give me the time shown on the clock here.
4:14
